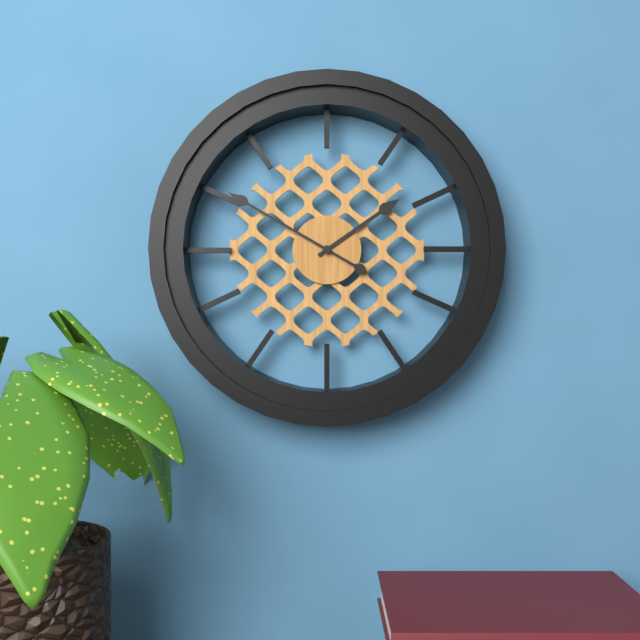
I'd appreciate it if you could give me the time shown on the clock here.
1:50
